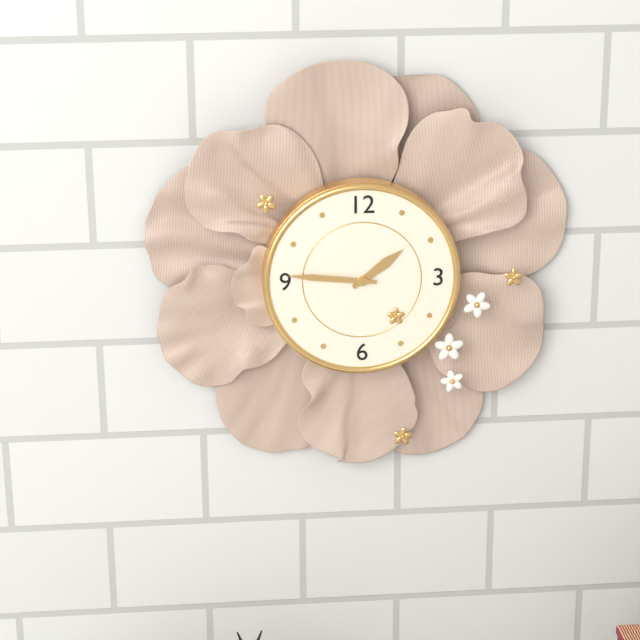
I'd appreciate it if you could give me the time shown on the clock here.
1:46
